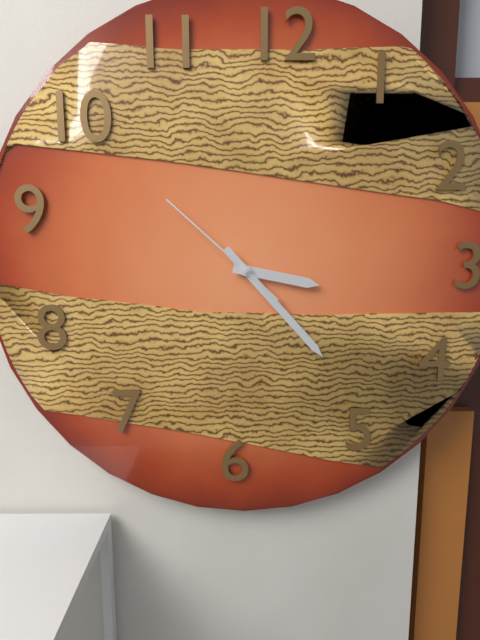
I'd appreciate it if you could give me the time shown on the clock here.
3:23:52
